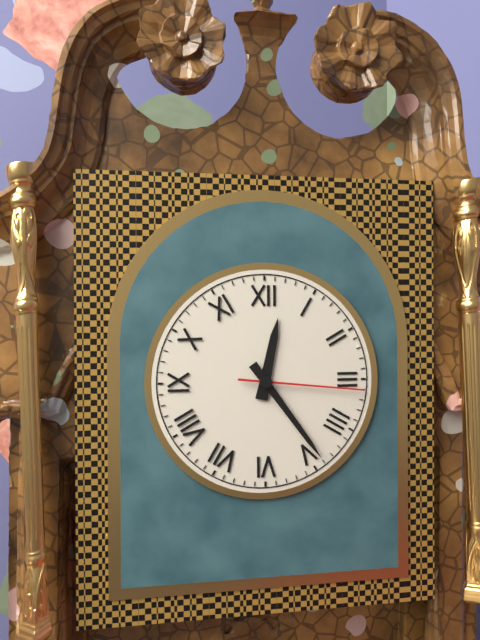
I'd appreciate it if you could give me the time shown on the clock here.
12:24:16
